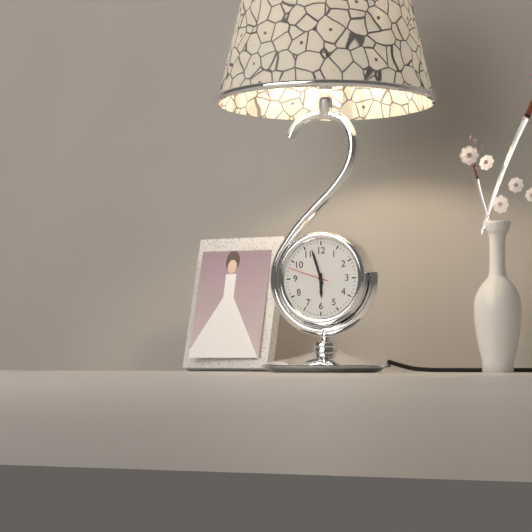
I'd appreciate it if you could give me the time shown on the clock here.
5:57
